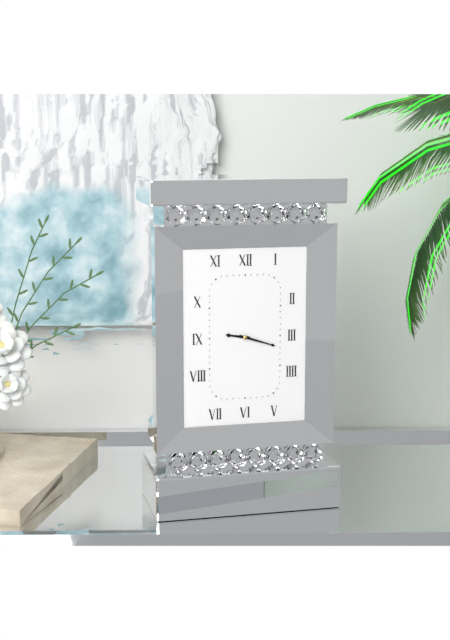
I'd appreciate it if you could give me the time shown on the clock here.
9:18
